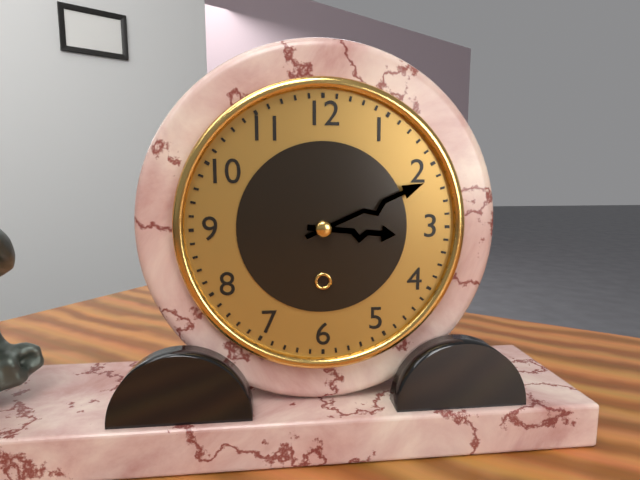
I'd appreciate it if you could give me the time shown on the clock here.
3:11
